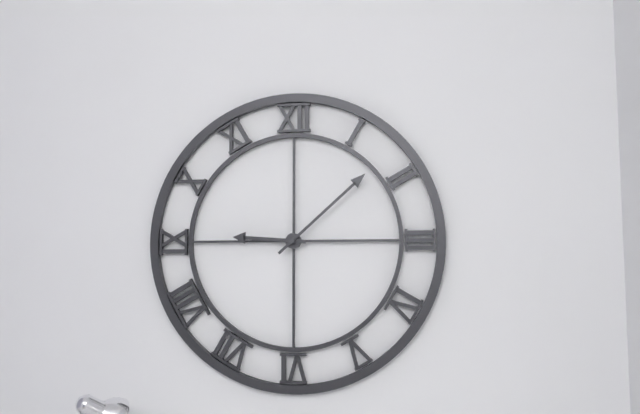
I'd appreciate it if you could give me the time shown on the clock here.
9:08
